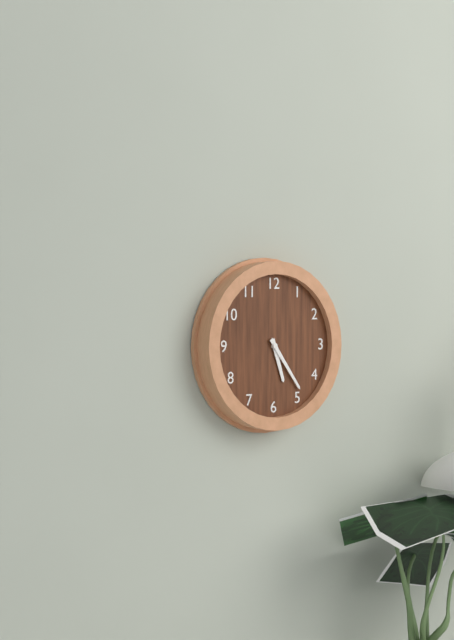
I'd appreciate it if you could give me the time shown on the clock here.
5:24
